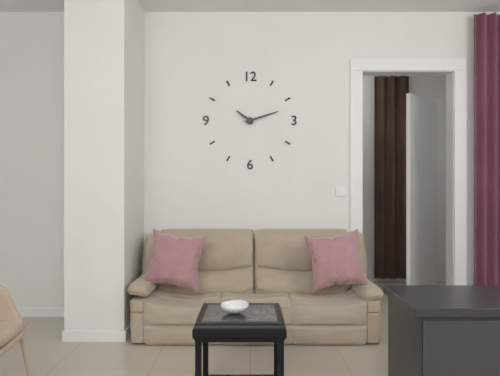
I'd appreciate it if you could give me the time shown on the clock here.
10:12
